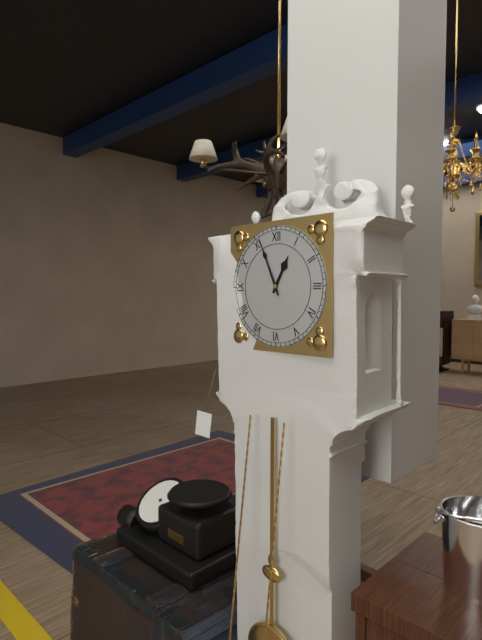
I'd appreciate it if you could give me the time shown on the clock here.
12:56
